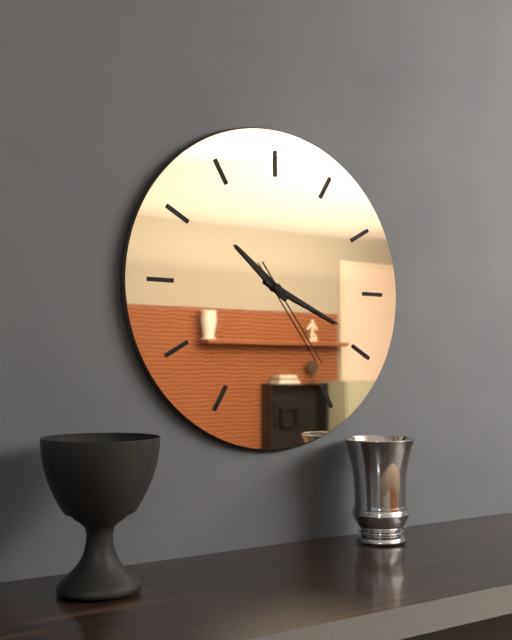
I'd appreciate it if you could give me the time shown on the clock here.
10:19:24
